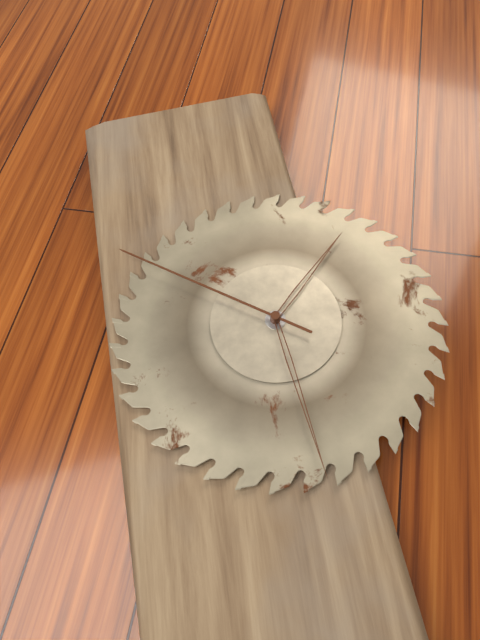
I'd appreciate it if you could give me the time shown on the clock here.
1:29:51
